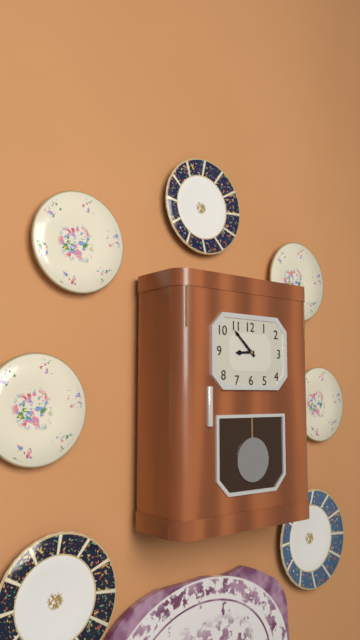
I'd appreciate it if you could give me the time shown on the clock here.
8:52
